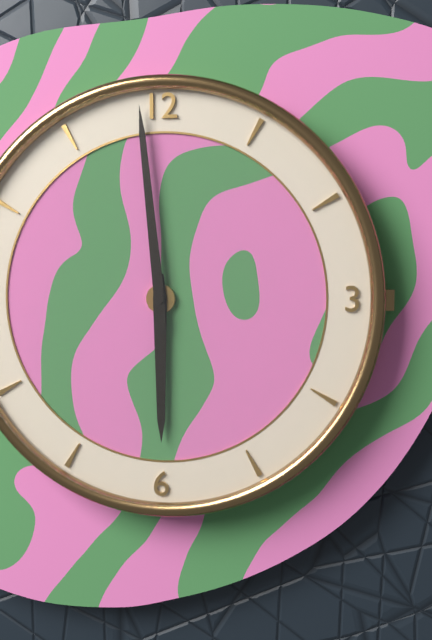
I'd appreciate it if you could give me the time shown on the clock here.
5:59
